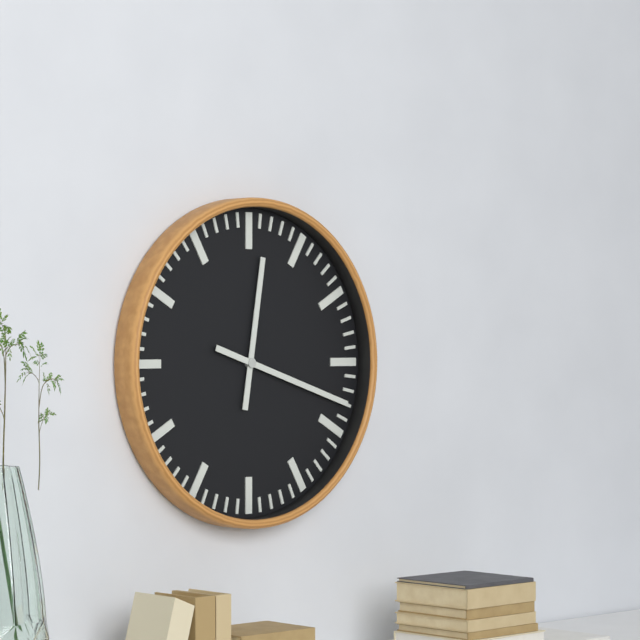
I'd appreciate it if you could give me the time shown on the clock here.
12:18
